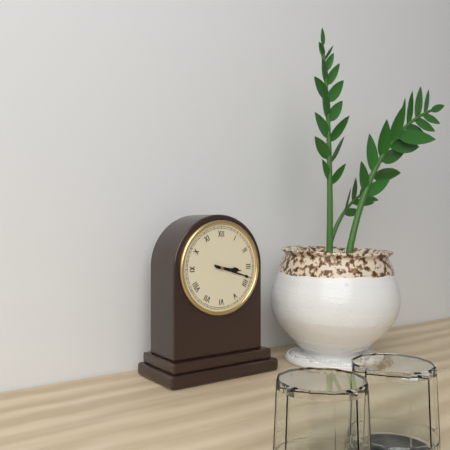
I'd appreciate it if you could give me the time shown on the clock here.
3:18
